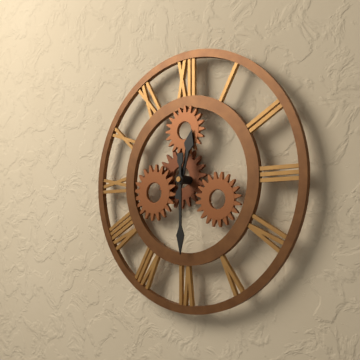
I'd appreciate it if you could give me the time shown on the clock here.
12:30
